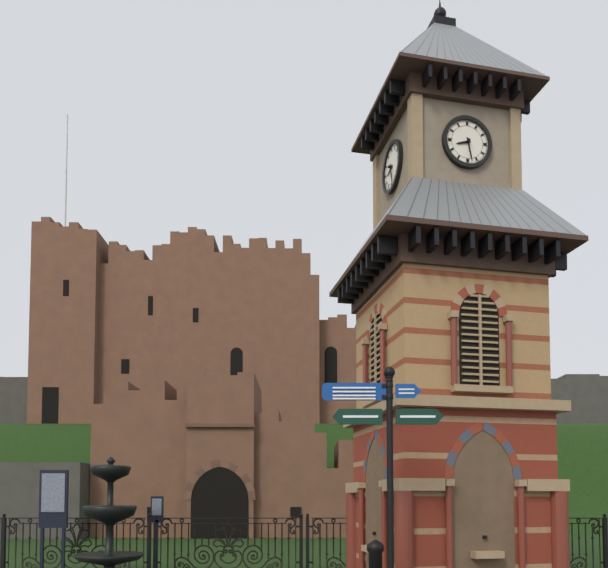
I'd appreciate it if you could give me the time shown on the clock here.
8:28
